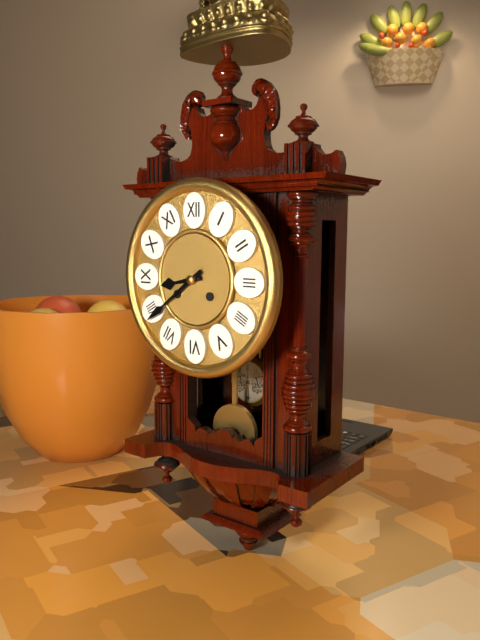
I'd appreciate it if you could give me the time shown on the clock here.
8:39
